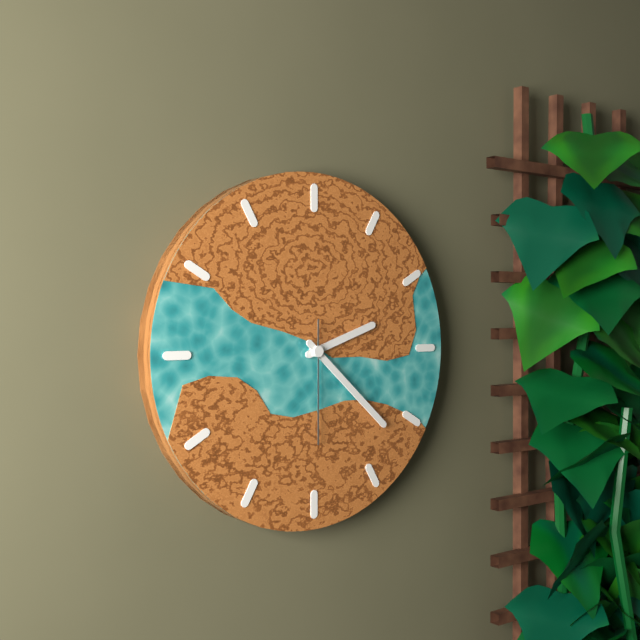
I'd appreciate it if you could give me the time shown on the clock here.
2:22:30
